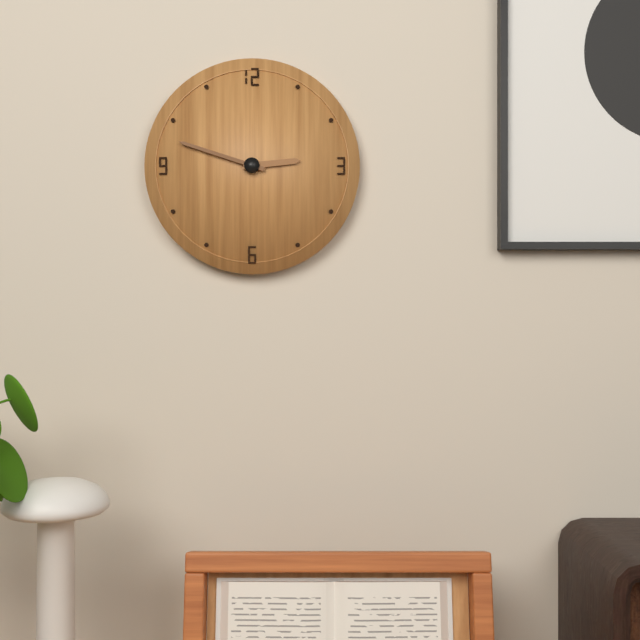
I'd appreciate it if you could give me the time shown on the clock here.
2:48
